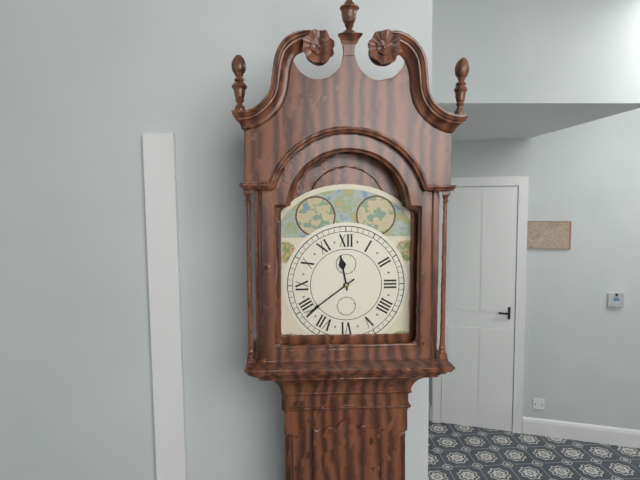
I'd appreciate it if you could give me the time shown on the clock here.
11:39
